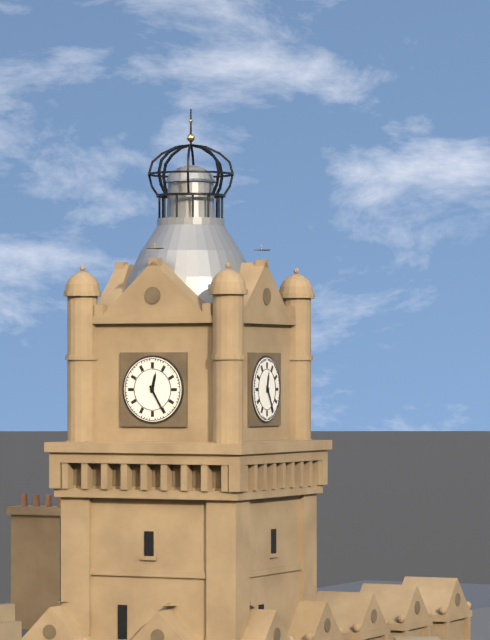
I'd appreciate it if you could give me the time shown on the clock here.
12:25
